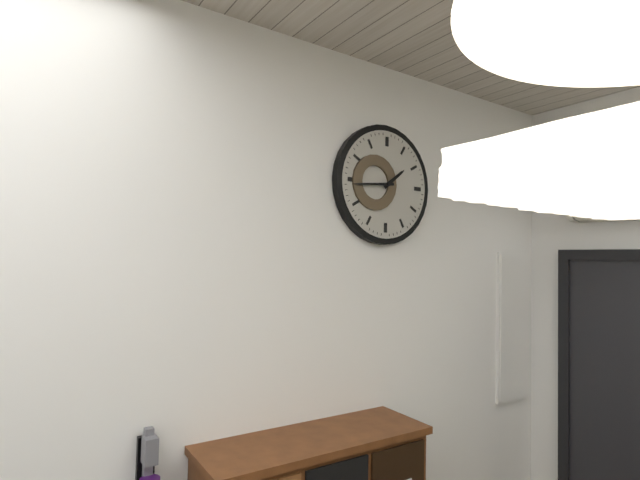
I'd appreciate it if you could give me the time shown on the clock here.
1:44
